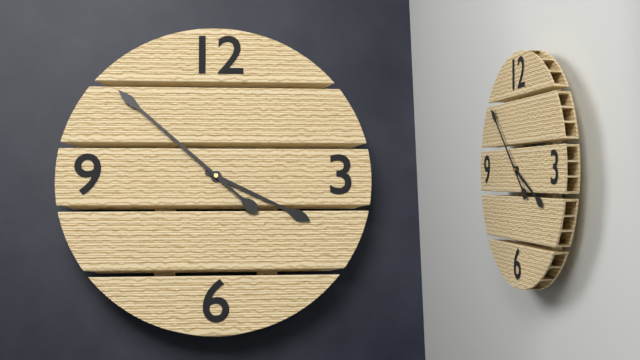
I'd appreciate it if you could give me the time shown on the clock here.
3:52
